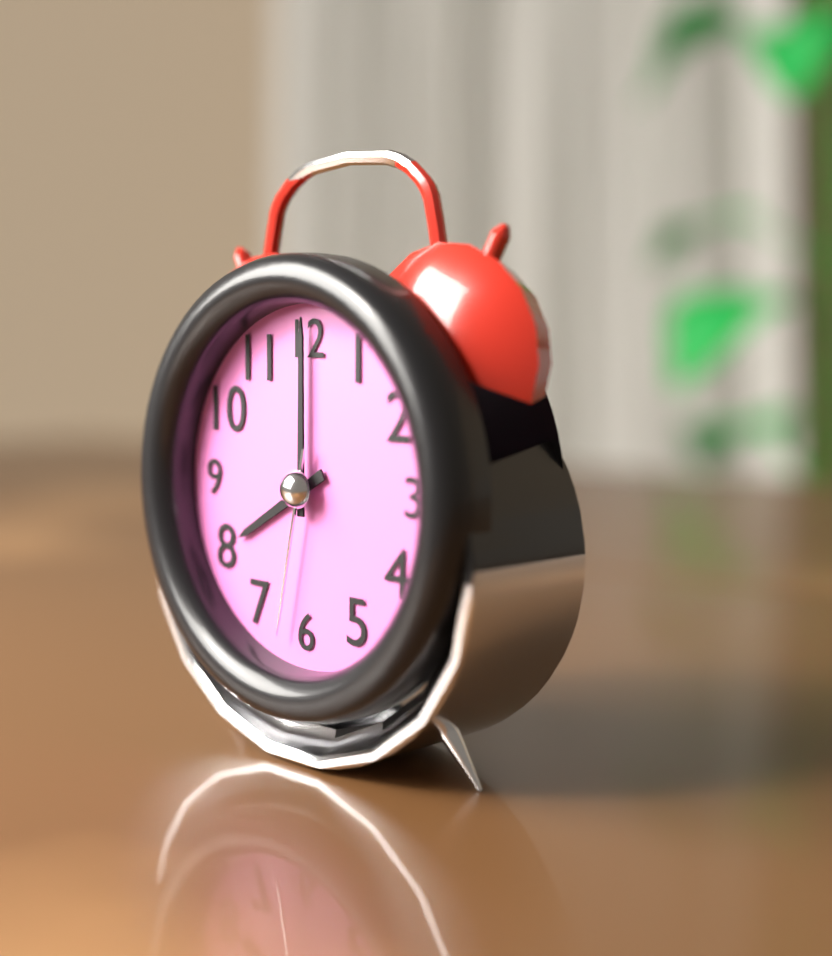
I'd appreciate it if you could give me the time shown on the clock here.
8:00:32
